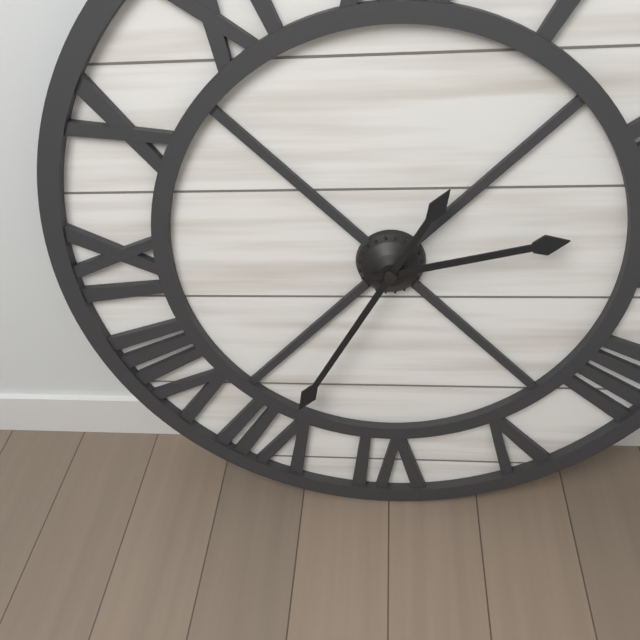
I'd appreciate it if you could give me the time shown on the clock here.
2:35
